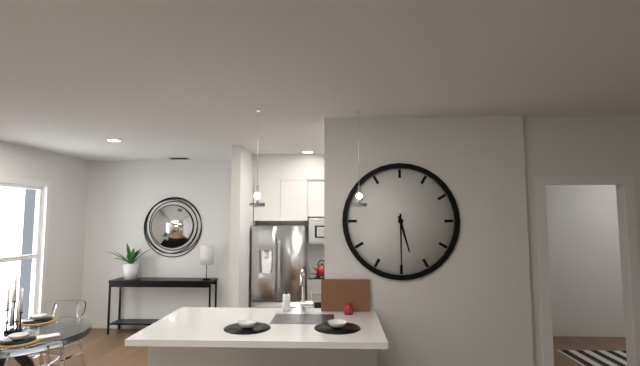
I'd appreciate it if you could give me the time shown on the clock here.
5:30
